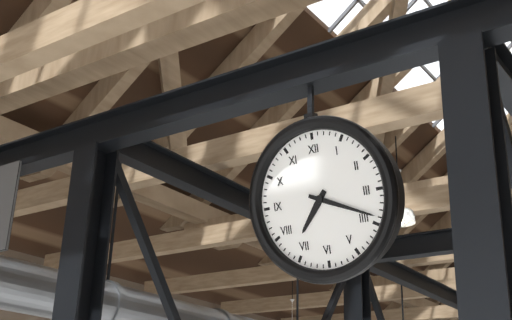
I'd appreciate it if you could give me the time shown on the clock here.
7:19
